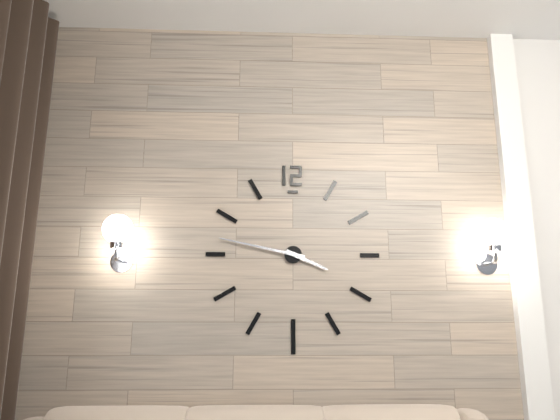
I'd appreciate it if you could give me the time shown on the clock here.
3:47
